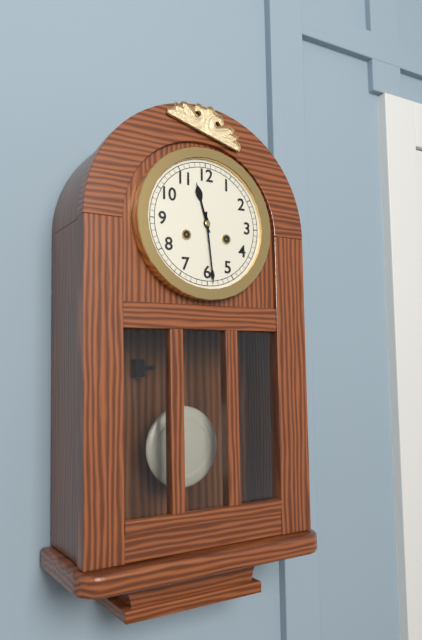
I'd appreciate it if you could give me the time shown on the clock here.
11:29
